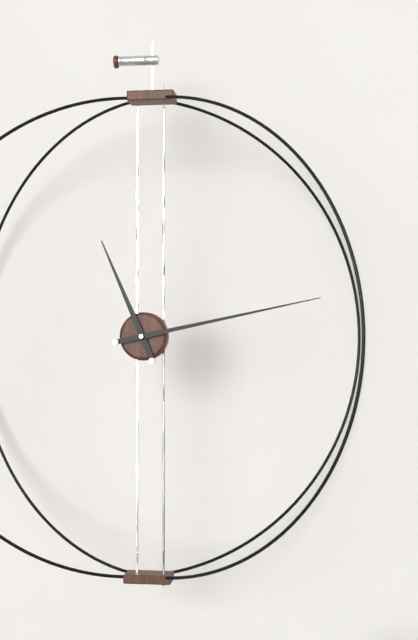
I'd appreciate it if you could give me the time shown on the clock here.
11:13
